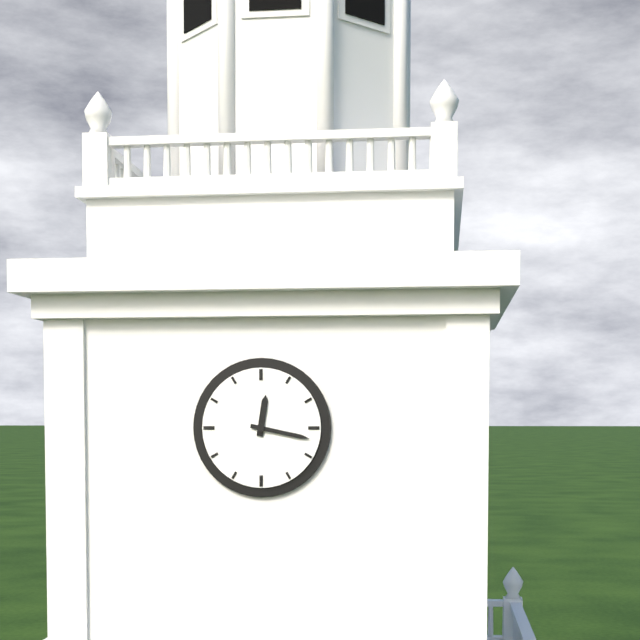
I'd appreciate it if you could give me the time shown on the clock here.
12:17
